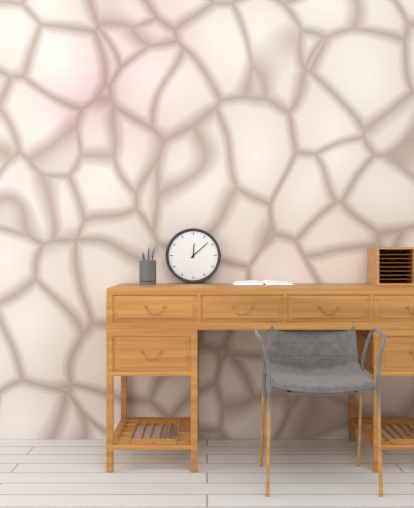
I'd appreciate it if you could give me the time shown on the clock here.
12:08
